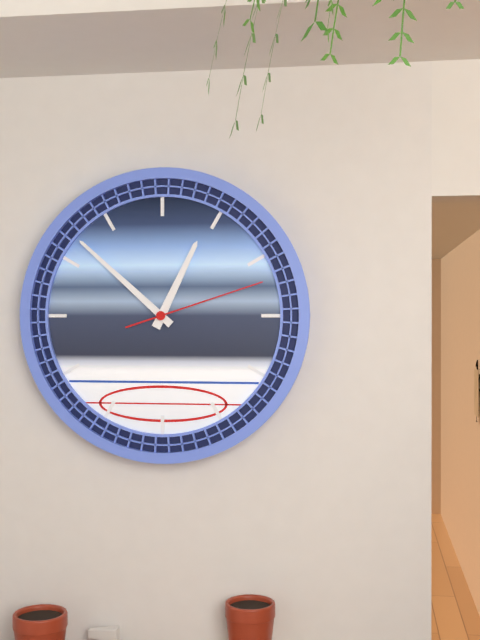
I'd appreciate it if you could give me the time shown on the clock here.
12:52:12
